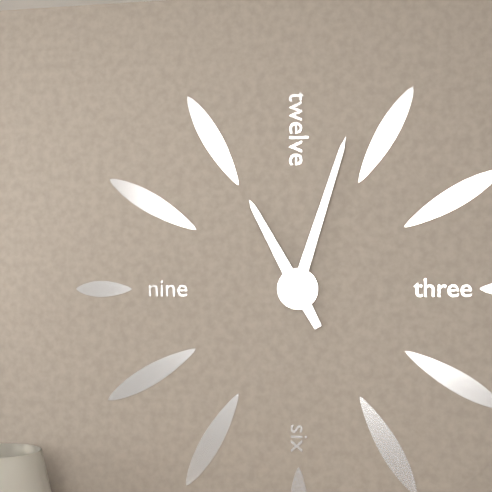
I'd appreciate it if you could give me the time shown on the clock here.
11:03
